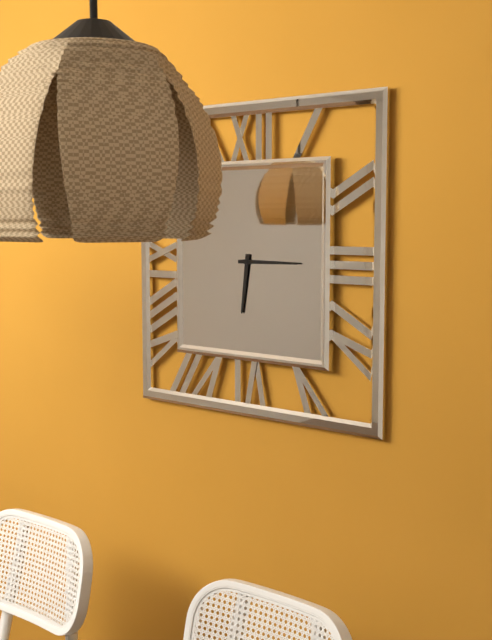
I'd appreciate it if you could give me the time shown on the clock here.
6:15
